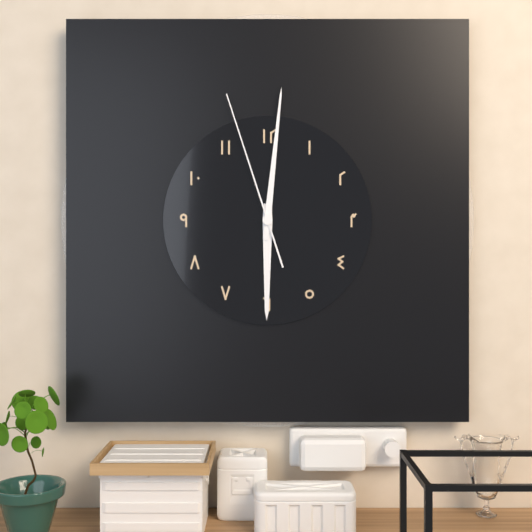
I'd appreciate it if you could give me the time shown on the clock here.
6:01:57
